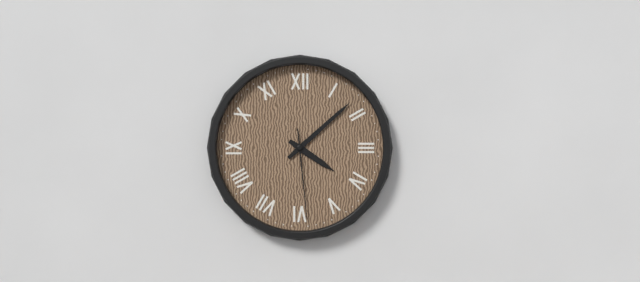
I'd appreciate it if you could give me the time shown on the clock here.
4:08:29
